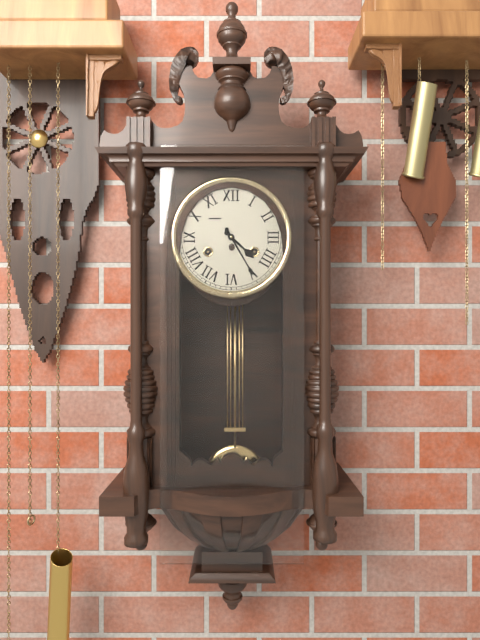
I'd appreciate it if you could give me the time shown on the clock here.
4:25
